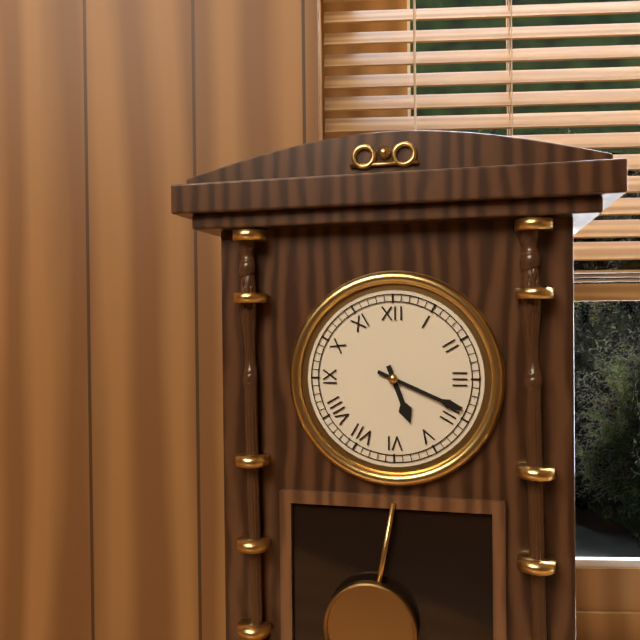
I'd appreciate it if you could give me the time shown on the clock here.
5:19
